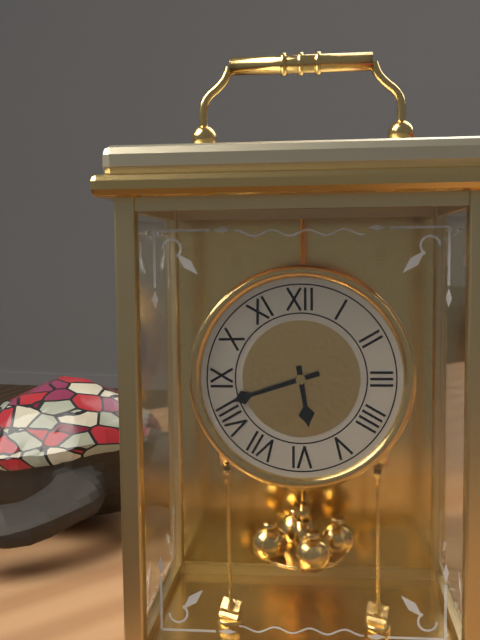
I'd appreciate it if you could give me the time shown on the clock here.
5:42
